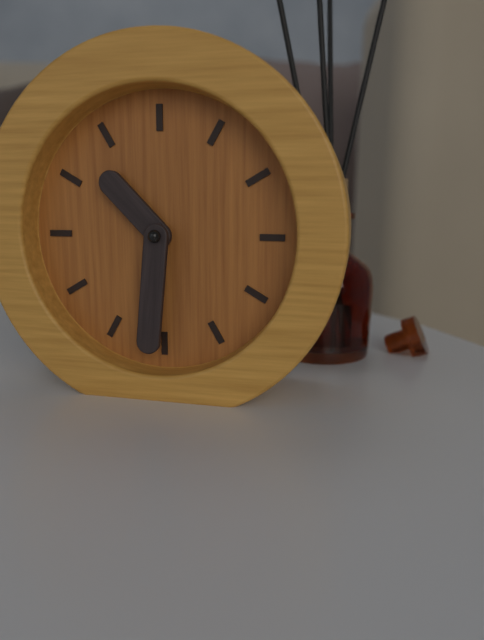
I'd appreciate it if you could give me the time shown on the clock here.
10:31
